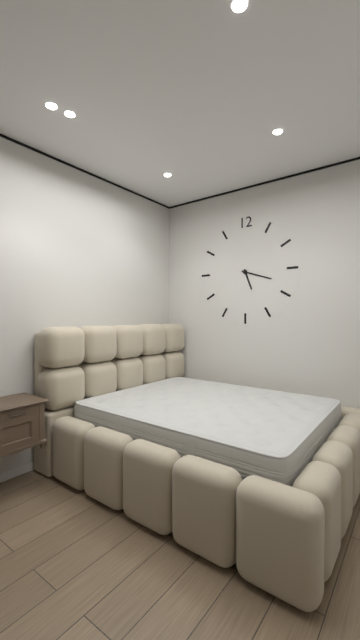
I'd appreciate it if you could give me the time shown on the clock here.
5:18
